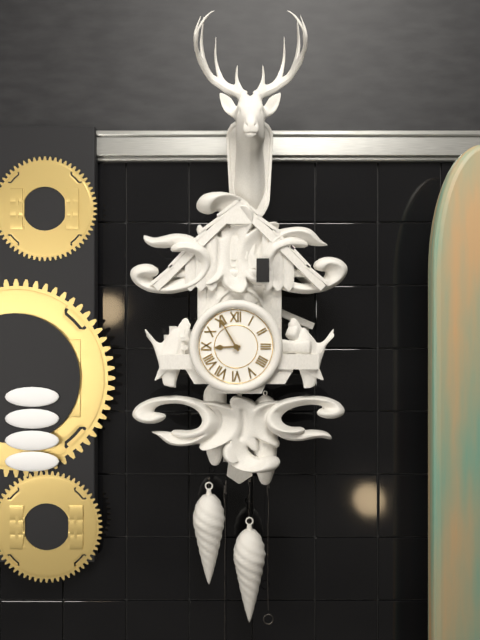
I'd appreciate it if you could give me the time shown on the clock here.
8:55
